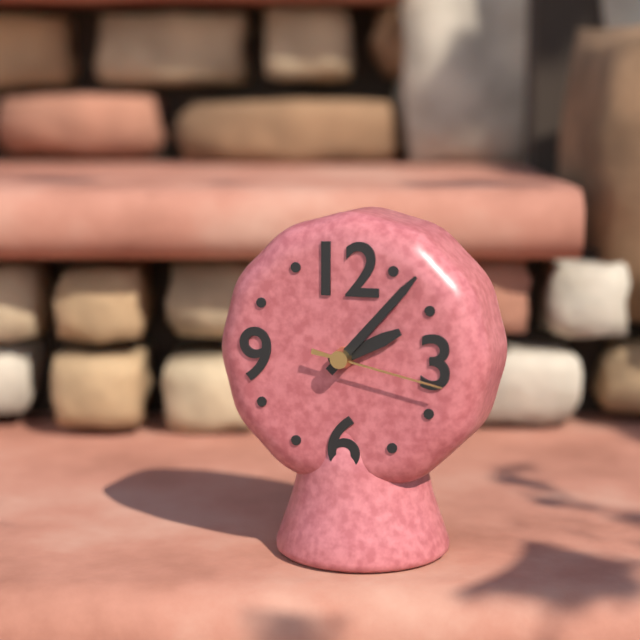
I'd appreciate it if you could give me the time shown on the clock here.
2:07:17
